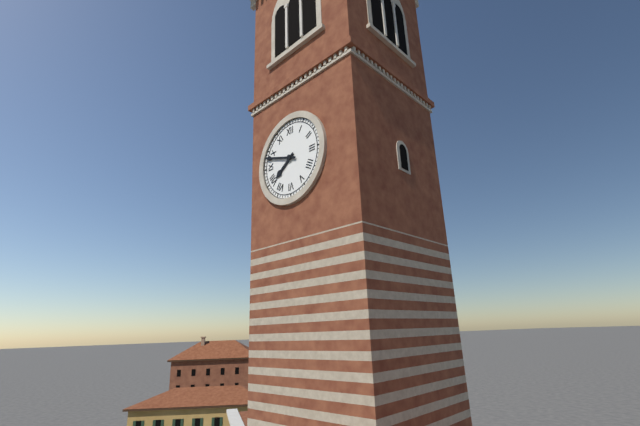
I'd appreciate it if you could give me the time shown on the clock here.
7:48
